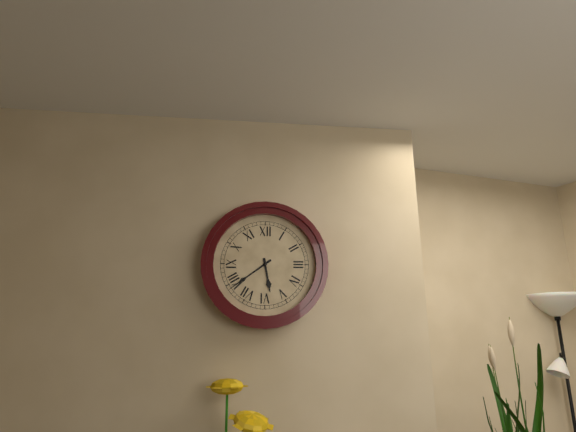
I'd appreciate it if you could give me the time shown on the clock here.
5:39
